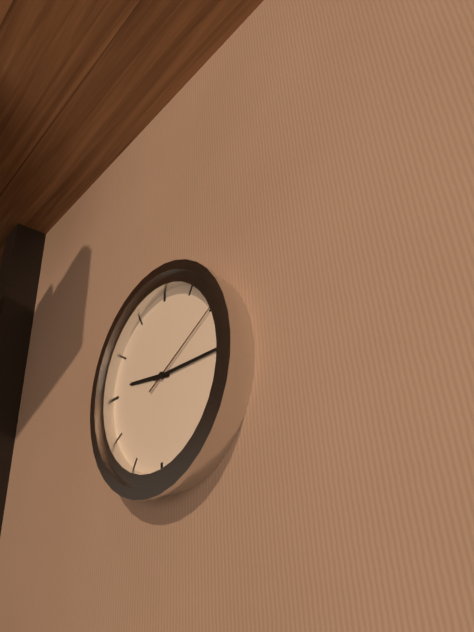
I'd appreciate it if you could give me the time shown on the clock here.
9:15:10
